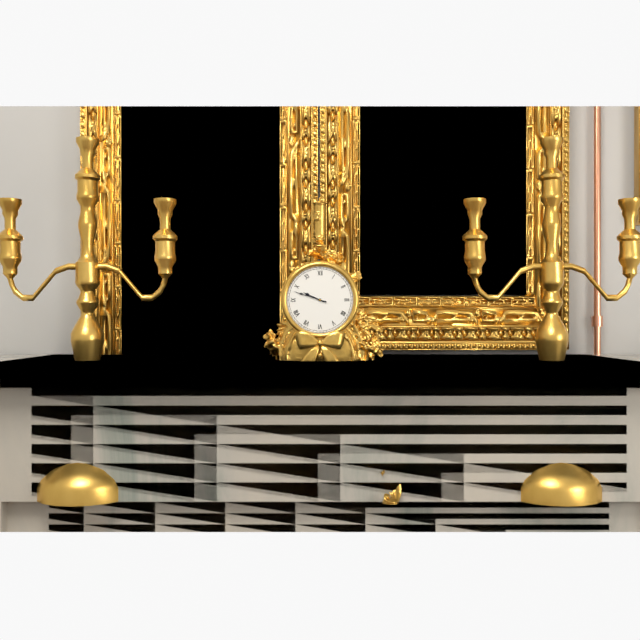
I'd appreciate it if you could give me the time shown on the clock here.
9:48
